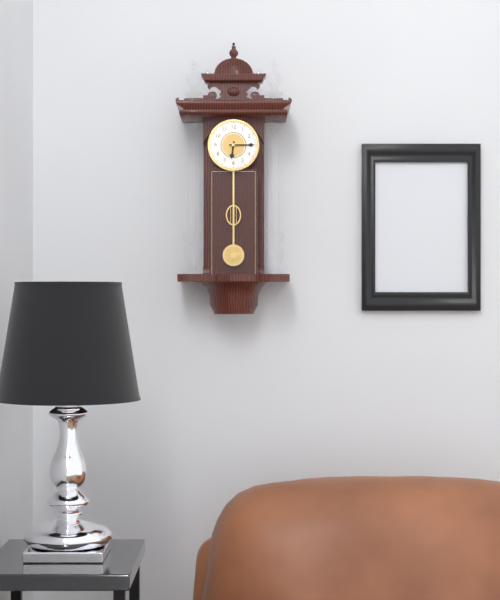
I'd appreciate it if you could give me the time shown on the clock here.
6:15
